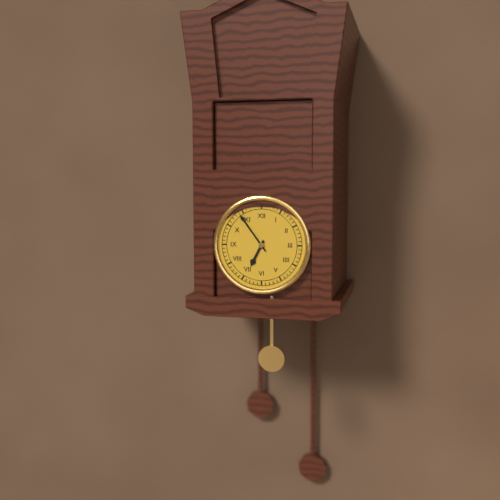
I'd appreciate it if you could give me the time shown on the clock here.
6:54
